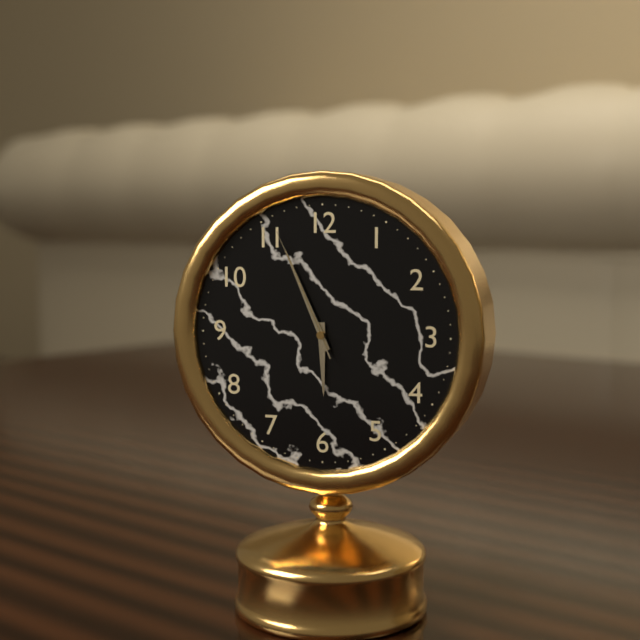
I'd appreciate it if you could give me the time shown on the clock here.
5:56:56
